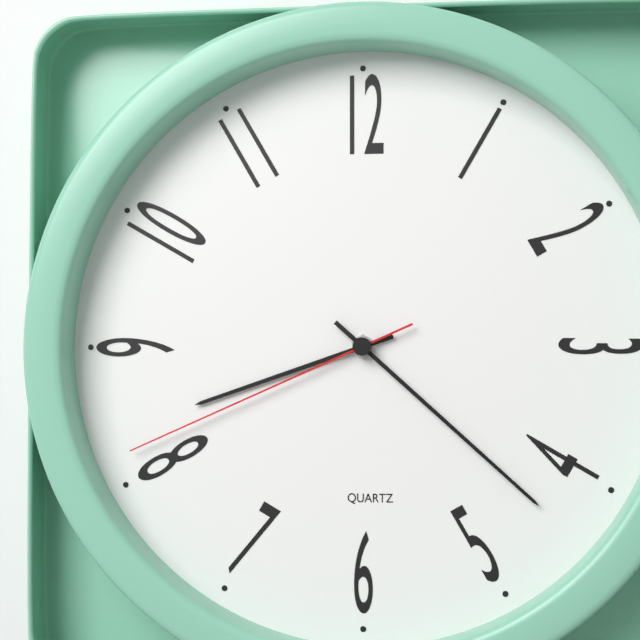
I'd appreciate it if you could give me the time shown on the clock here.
8:22:41
